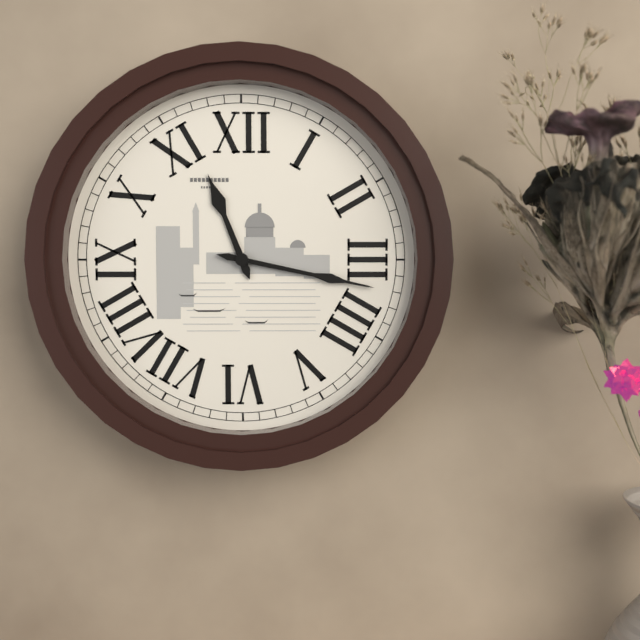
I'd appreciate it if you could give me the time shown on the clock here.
11:17
